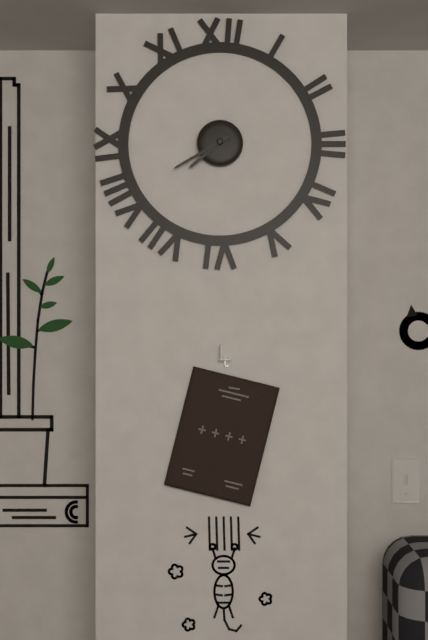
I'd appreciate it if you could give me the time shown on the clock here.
7:40
